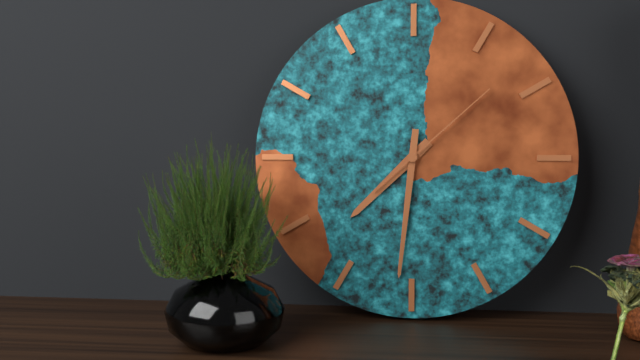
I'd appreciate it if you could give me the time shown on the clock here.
7:31:08
